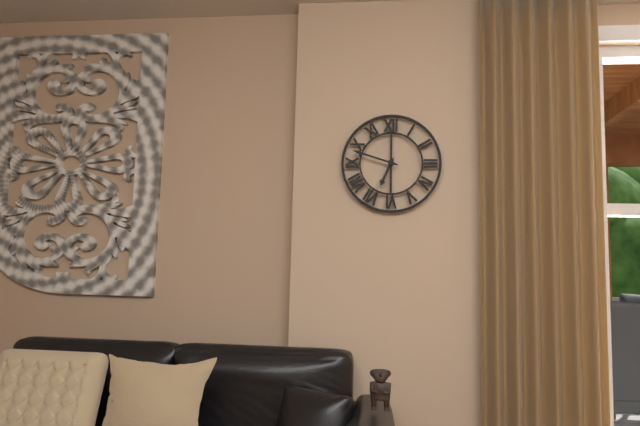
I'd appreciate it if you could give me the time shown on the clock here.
6:48
